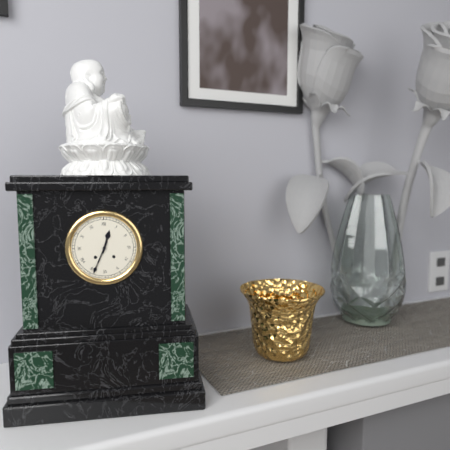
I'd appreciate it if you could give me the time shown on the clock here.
12:34
